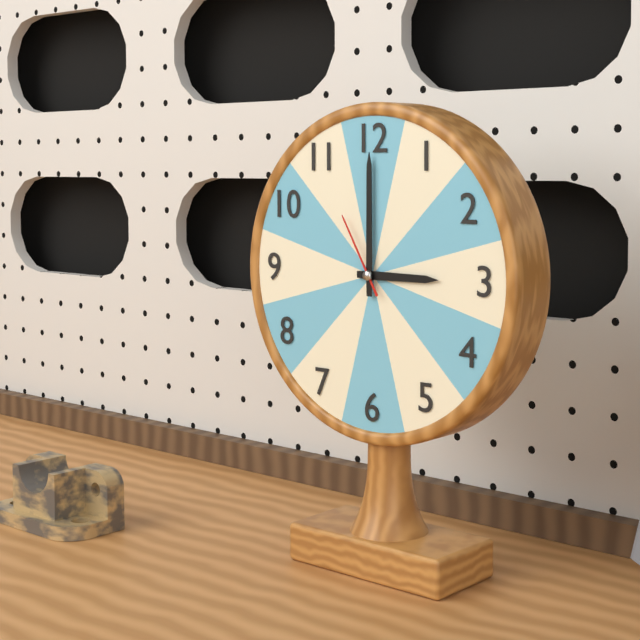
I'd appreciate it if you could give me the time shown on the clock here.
3:00:55
